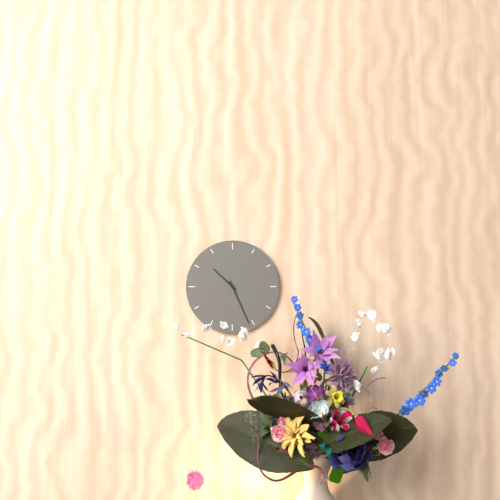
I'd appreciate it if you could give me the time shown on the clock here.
10:26
